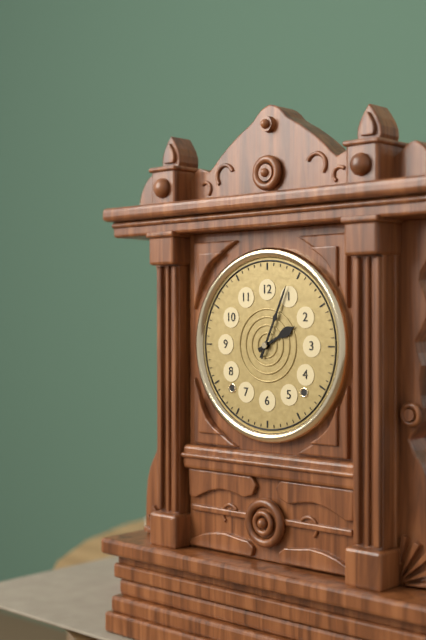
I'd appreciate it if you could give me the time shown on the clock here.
2:04
